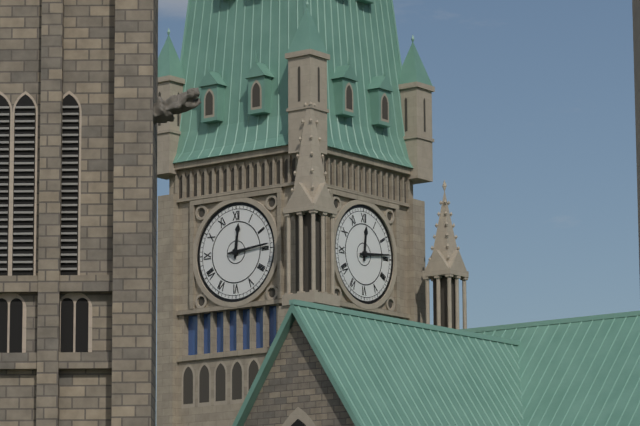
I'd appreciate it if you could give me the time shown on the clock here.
12:14
